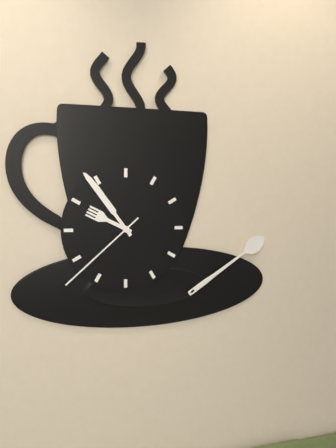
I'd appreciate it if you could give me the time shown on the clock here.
9:54:38
